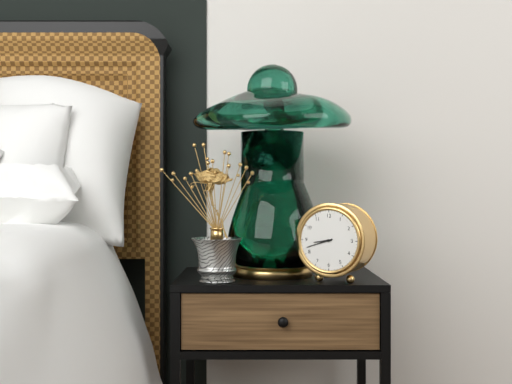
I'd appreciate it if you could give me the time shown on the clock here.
8:42
